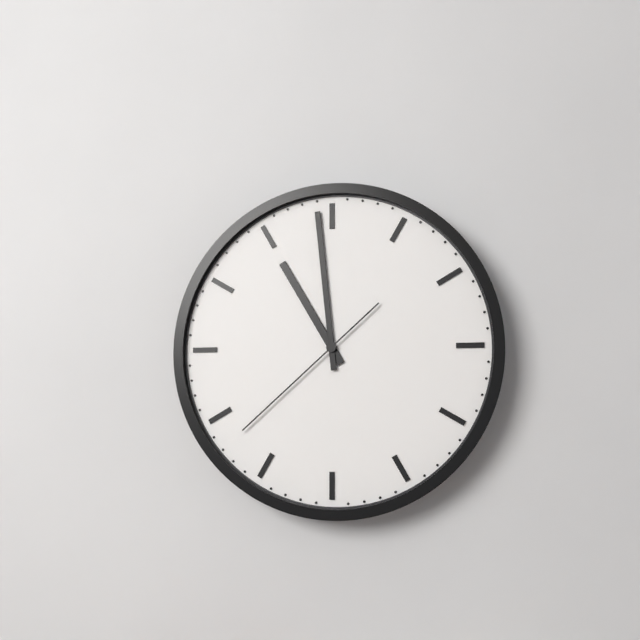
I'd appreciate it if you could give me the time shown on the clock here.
10:59:38
